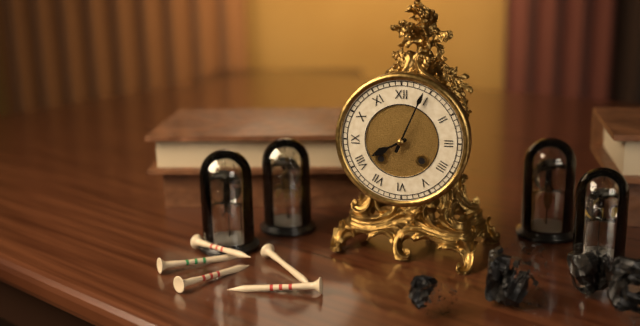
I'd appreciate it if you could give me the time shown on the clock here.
8:04
